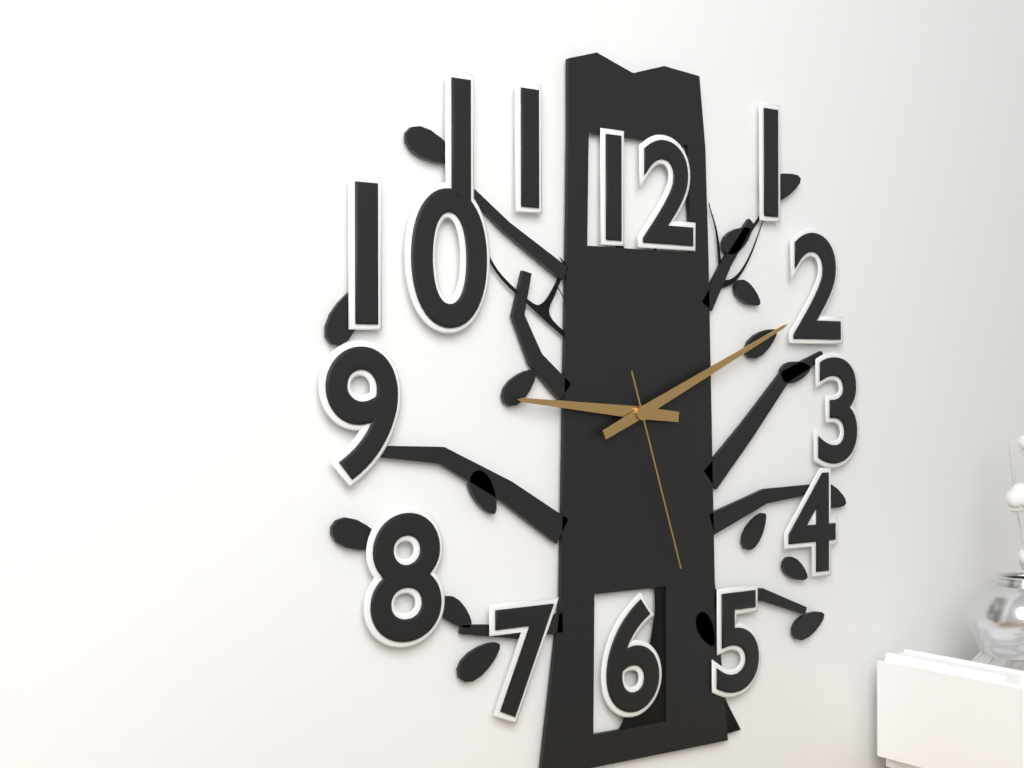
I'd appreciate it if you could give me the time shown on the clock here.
9:11:27
